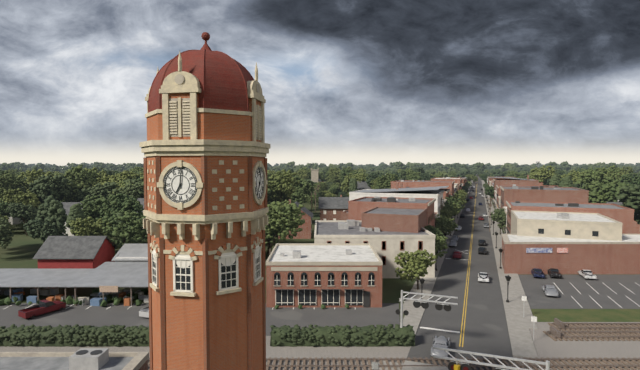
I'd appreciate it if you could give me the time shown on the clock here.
7:01
